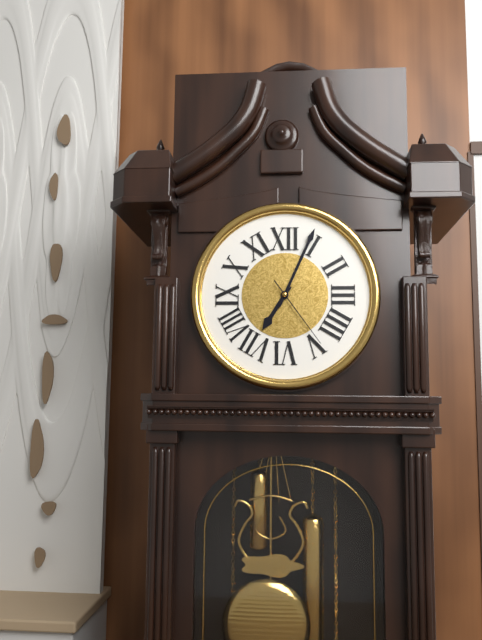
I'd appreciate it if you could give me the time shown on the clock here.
7:04:24
